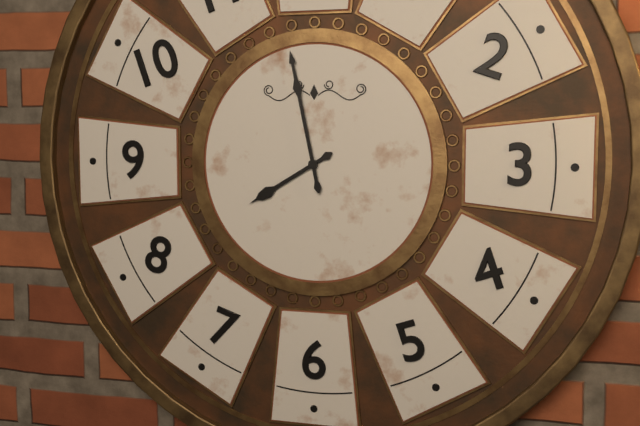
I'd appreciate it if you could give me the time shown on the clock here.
7:58
